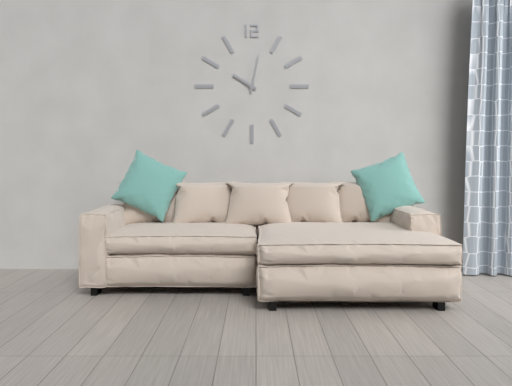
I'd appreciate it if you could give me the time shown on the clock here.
10:02
